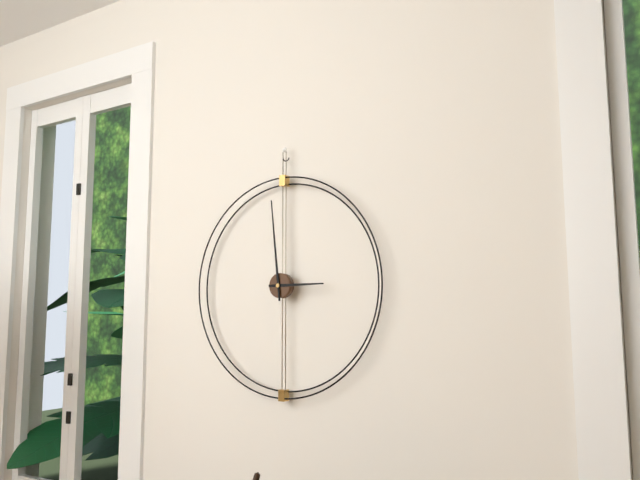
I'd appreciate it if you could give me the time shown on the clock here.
2:59
